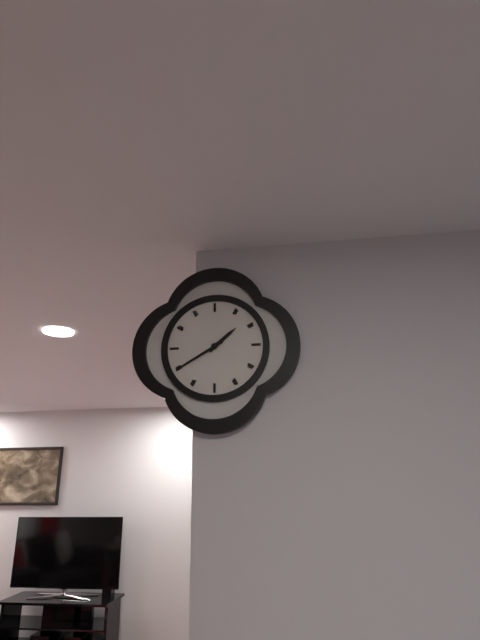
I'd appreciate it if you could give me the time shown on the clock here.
1:40
